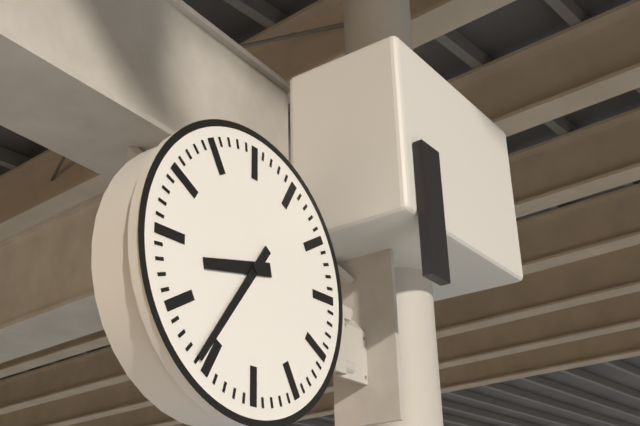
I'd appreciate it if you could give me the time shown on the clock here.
8:36
